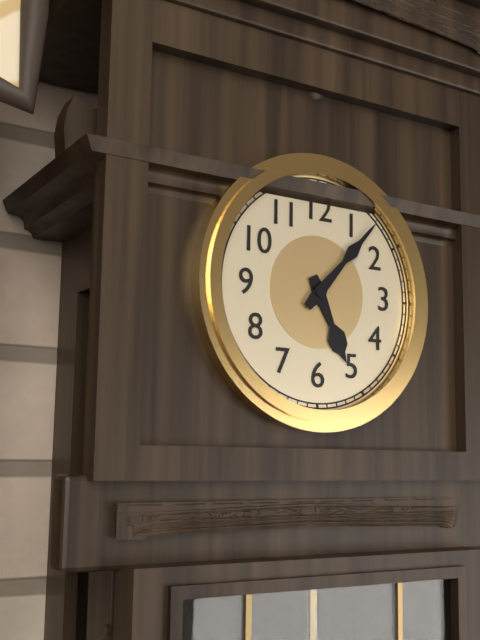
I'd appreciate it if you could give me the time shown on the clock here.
5:07
